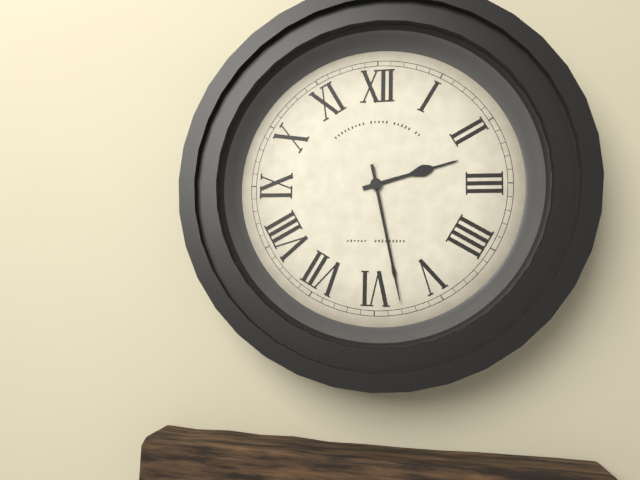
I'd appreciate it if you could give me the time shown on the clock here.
2:28
